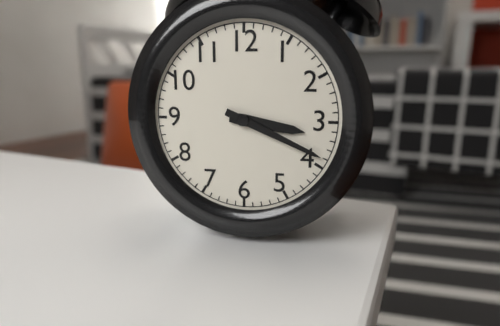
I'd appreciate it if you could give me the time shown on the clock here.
3:19
